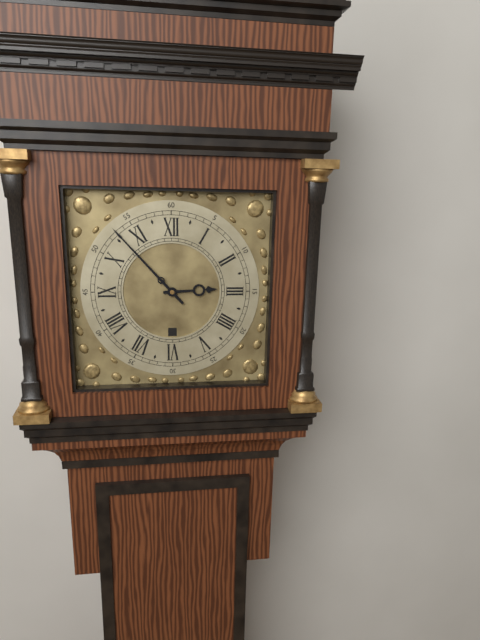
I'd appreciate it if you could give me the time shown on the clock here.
2:53
